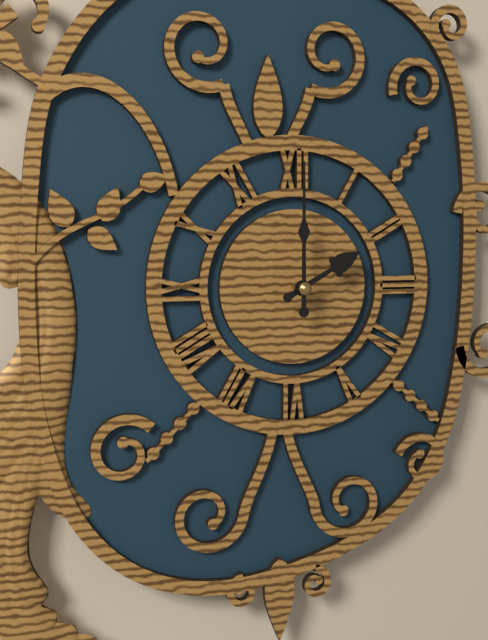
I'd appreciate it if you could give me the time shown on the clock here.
2:00
